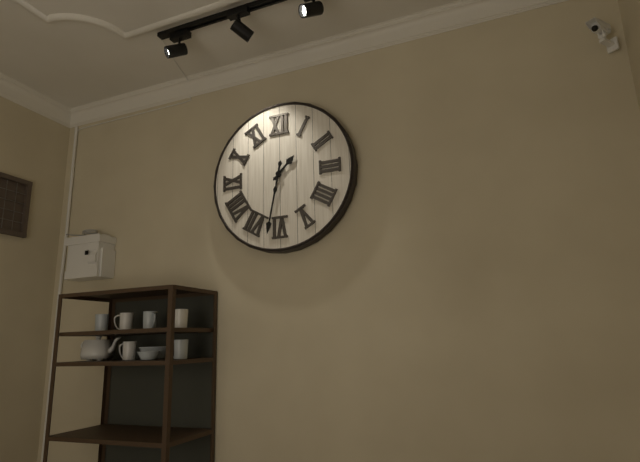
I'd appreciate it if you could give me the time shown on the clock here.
1:32
